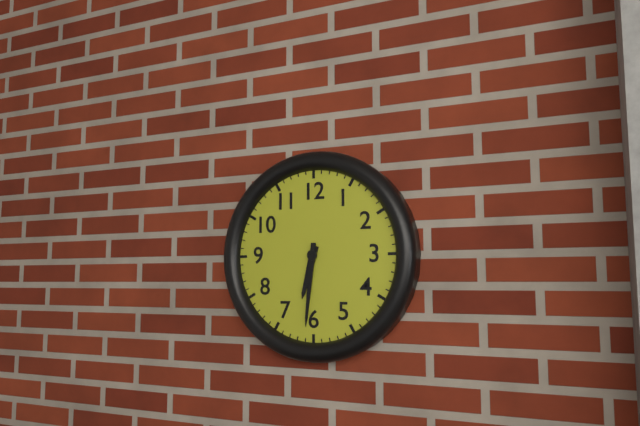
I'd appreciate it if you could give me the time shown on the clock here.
6:31
